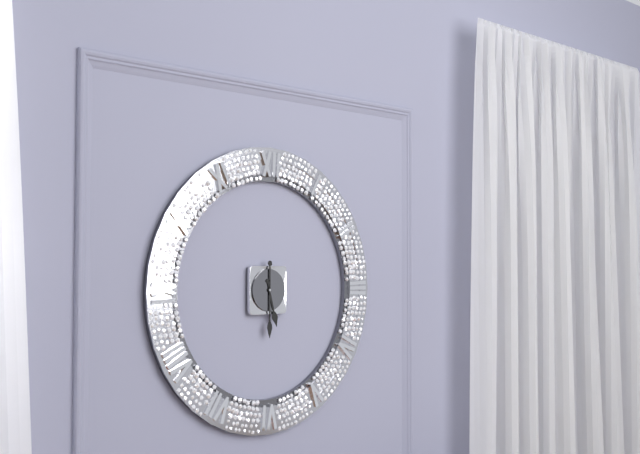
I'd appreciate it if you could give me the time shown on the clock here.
5:30
